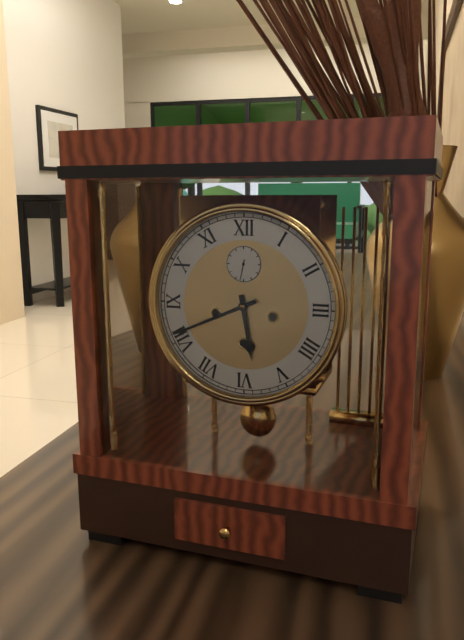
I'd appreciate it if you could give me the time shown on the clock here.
5:41
